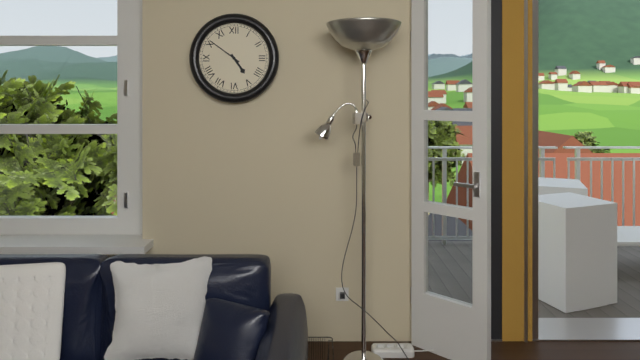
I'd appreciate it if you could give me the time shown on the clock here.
4:51
